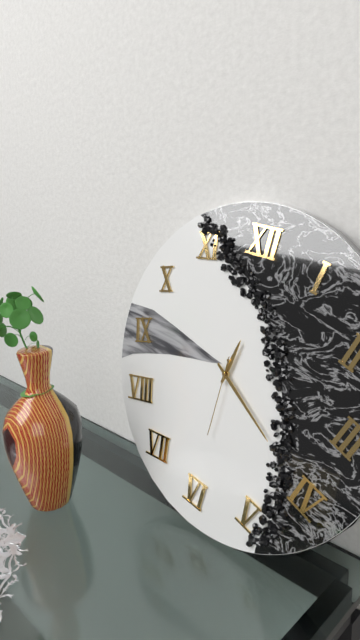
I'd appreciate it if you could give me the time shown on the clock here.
12:20:30
